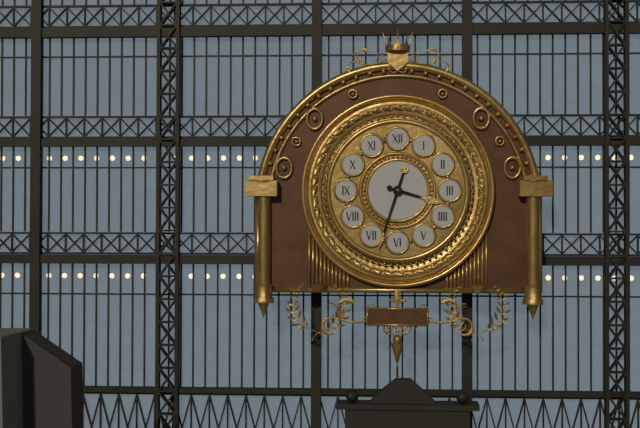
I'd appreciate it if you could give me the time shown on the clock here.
3:33
